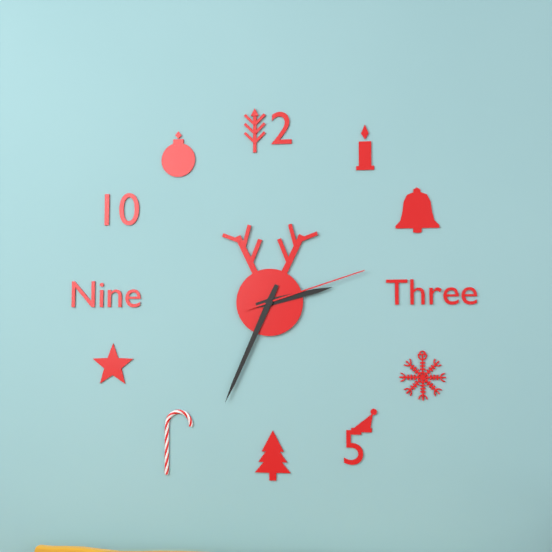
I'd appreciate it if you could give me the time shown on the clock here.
2:34:12
